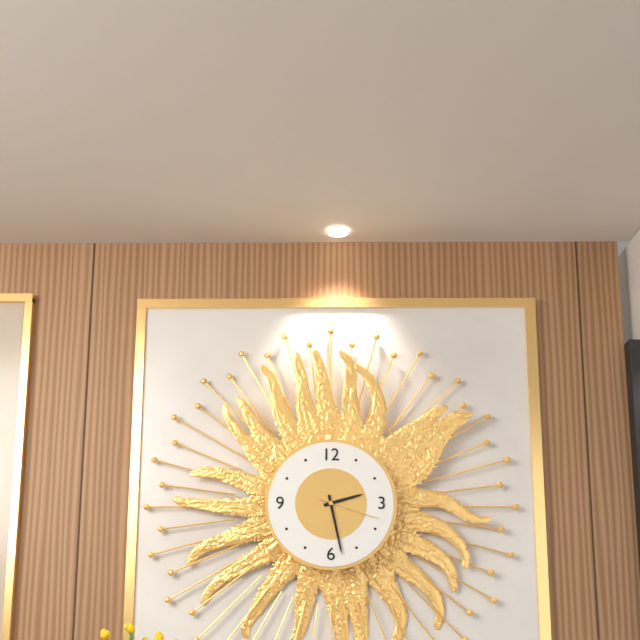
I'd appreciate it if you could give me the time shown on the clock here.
2:28:18
